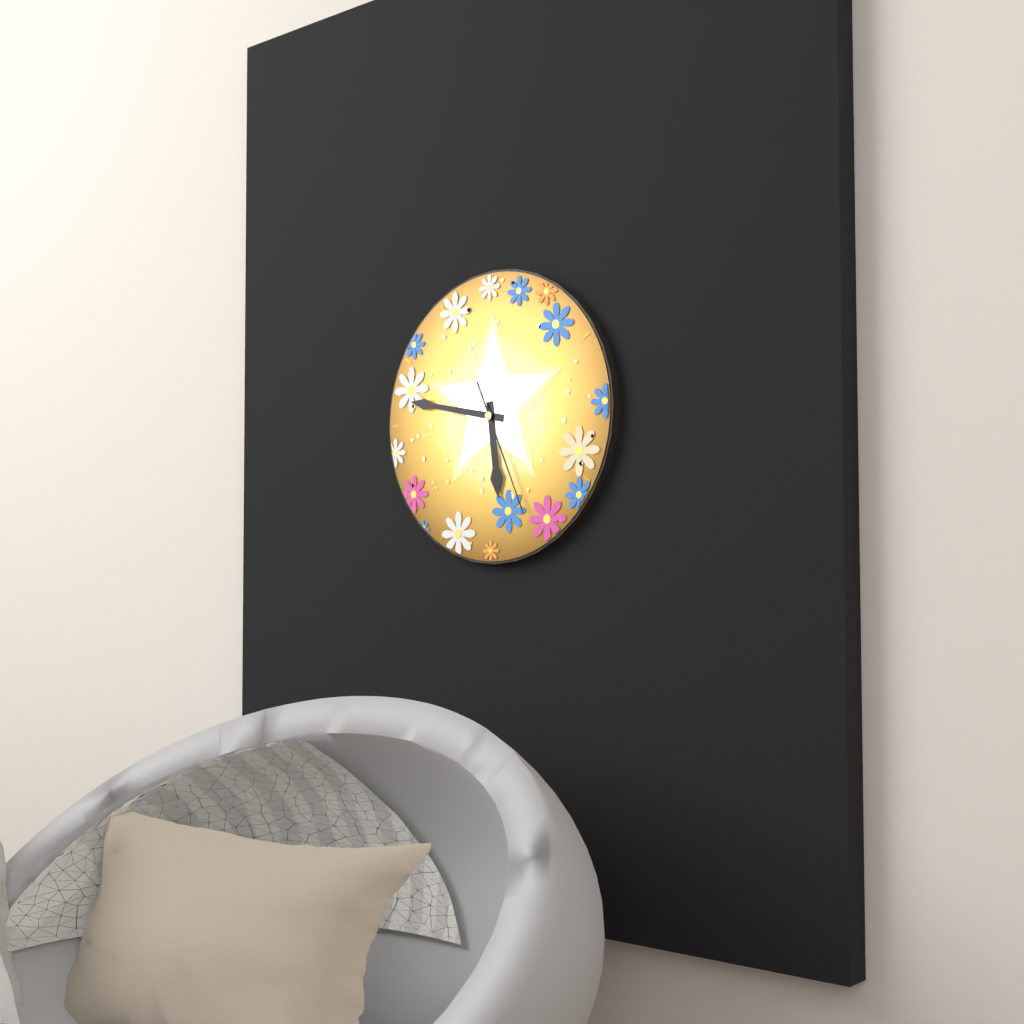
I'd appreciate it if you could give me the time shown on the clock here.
5:47:26
